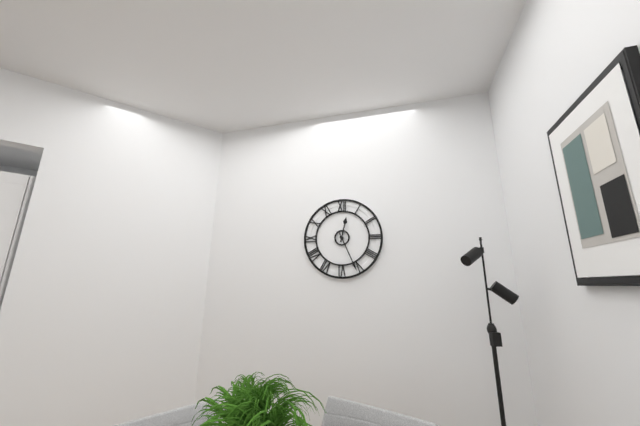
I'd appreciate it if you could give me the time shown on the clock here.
12:26
